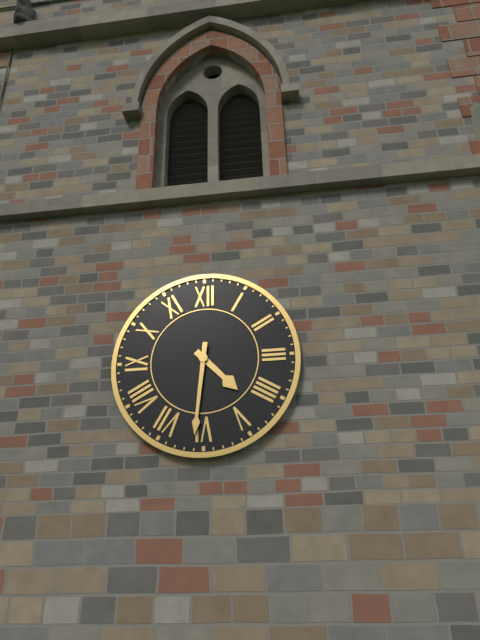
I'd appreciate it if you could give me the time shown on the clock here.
4:31
